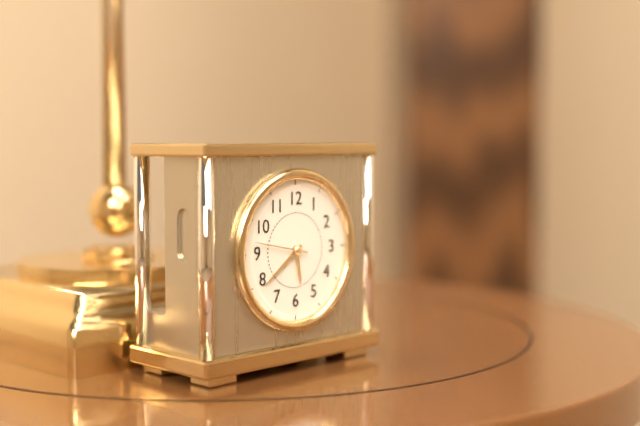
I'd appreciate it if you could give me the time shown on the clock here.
5:39
